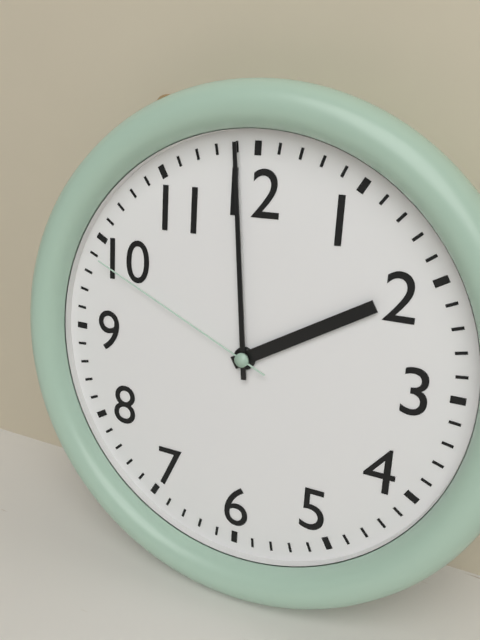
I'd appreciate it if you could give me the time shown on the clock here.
1:59:49
